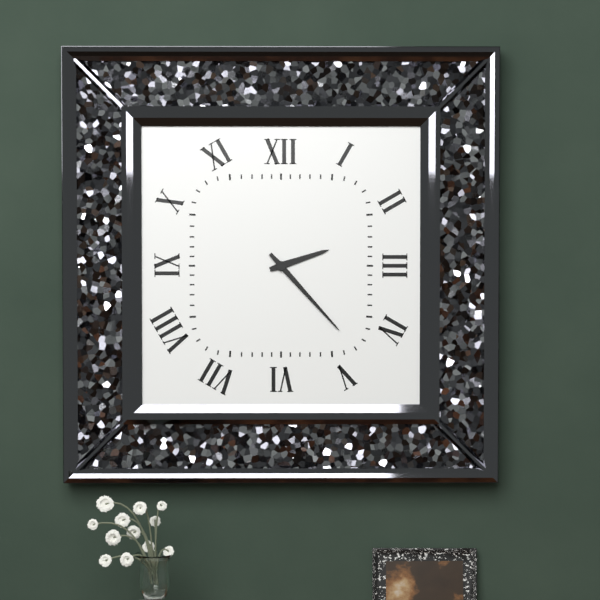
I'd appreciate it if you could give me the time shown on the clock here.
2:23
